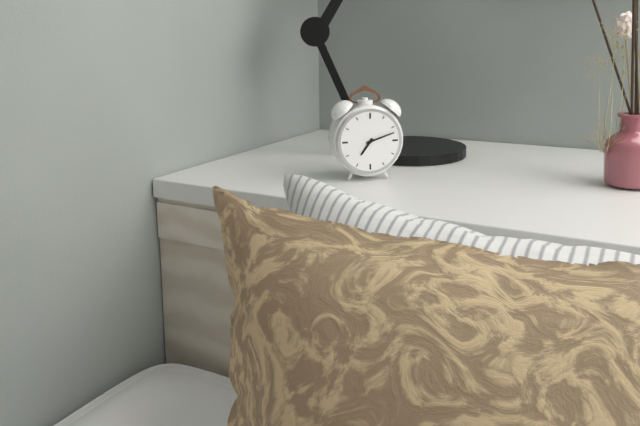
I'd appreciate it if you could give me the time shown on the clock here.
7:12
